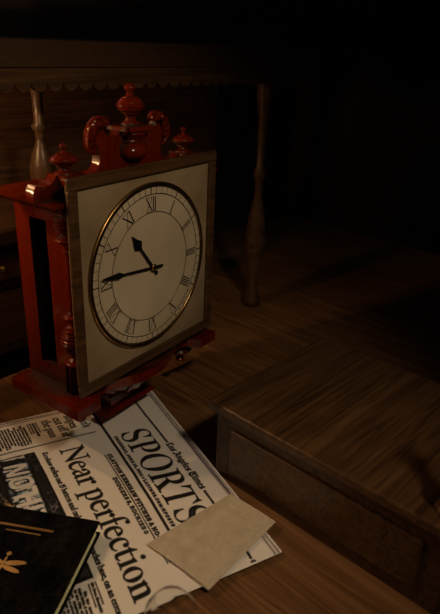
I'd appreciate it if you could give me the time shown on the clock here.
10:46
